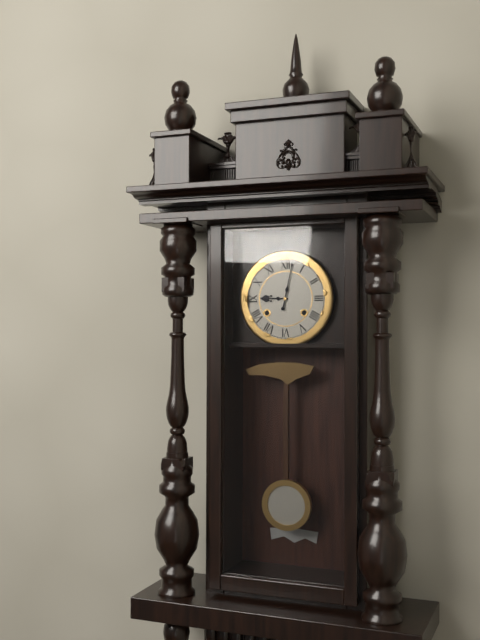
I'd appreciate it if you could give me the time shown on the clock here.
9:02
